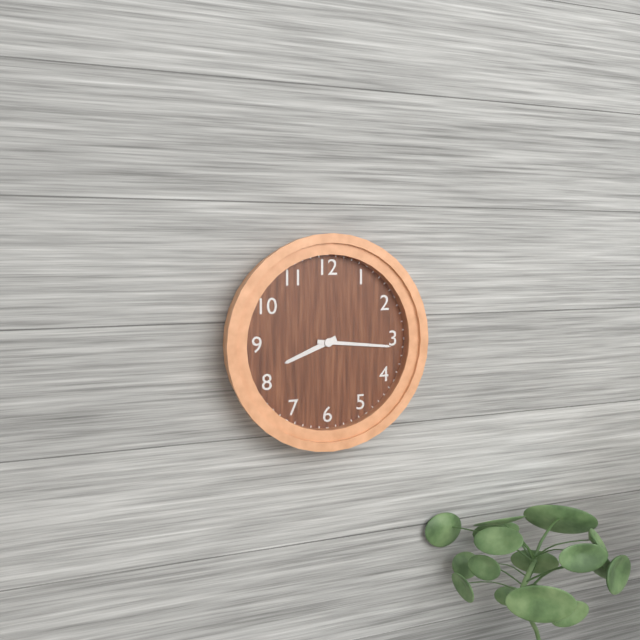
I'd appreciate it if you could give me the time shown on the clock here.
8:16
